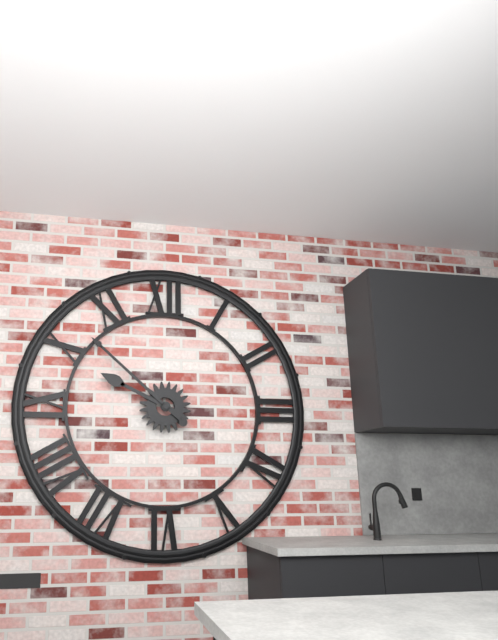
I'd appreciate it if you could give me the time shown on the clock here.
9:52
